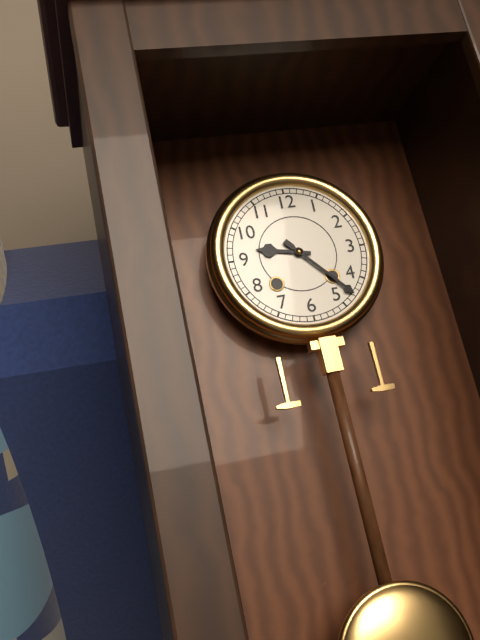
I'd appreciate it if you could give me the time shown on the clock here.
9:23
